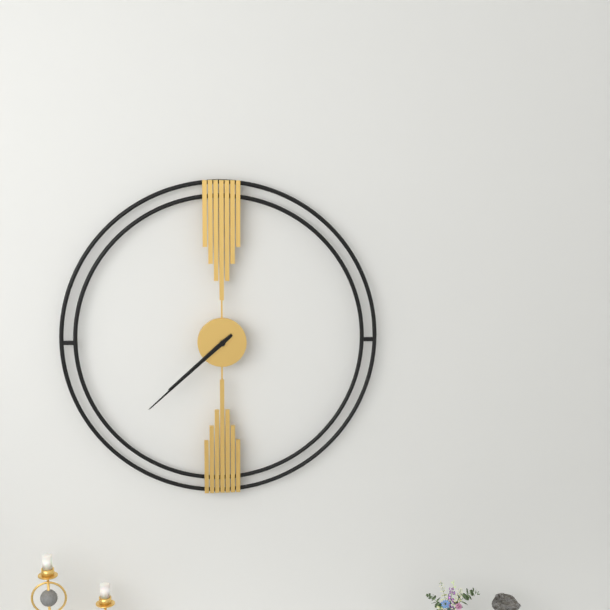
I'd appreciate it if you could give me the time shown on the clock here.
7:38
